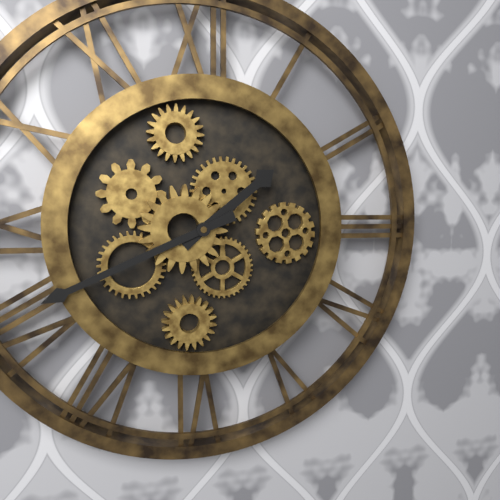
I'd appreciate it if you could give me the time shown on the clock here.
1:41
